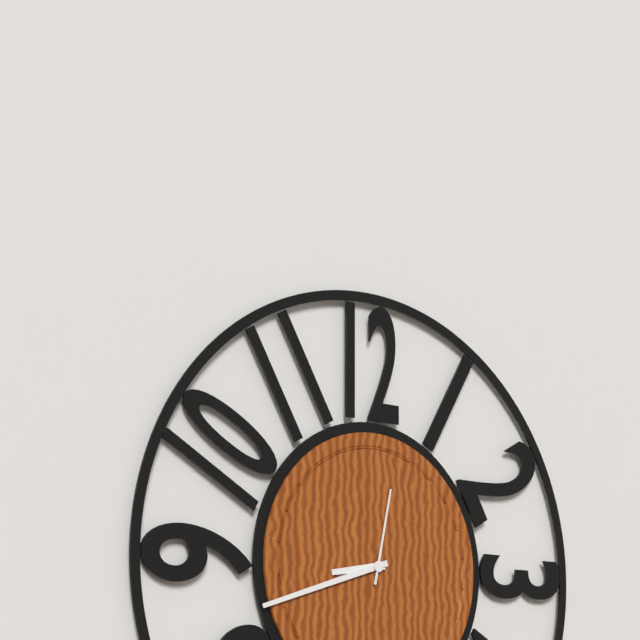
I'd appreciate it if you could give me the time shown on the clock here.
8:42:02
